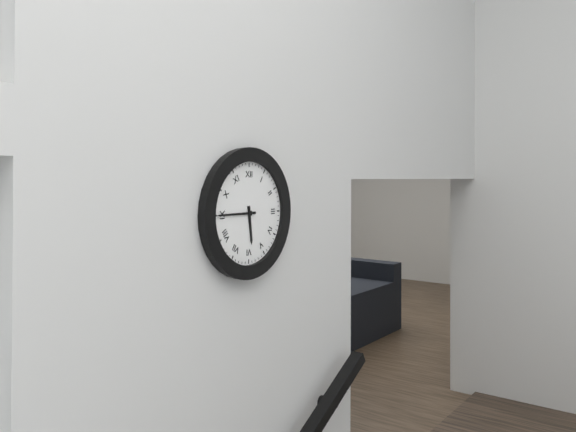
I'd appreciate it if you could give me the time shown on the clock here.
5:45
